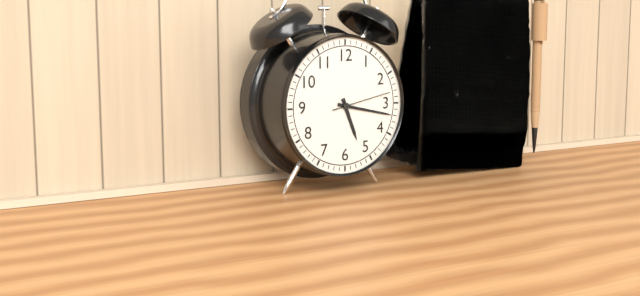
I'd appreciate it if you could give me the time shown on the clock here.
5:17:13
